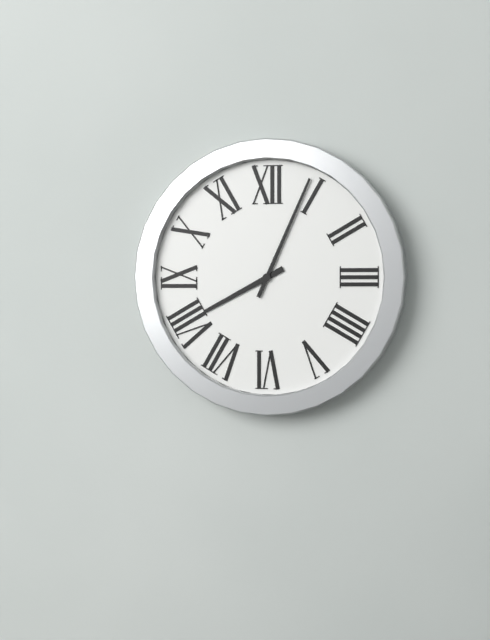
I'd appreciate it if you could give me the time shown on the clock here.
8:04
